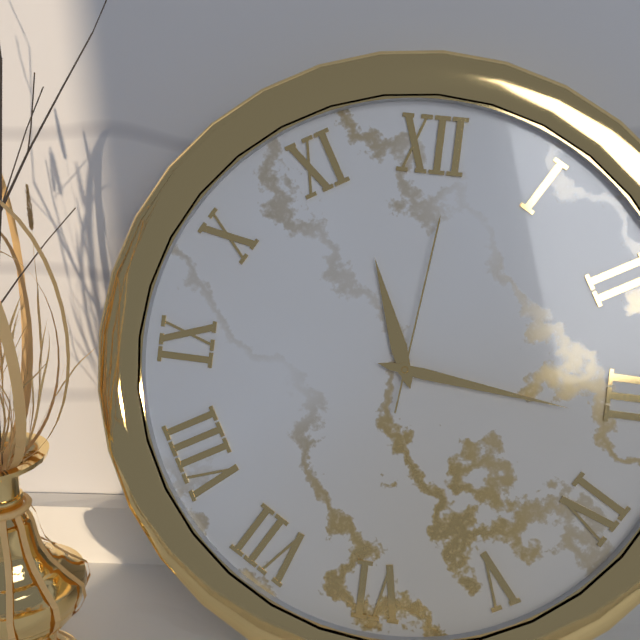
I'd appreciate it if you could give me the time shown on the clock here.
11:16:01
